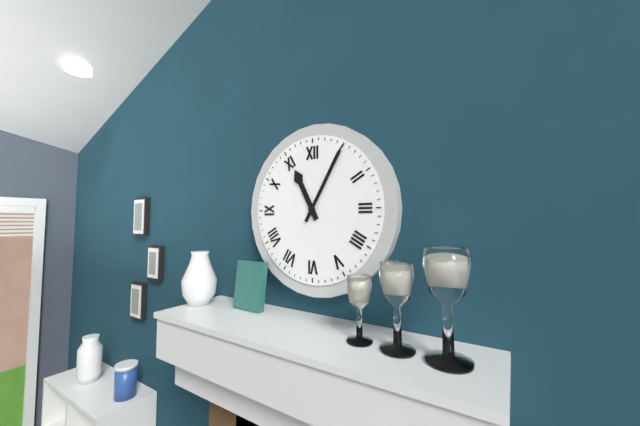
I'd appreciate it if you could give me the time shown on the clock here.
11:05
